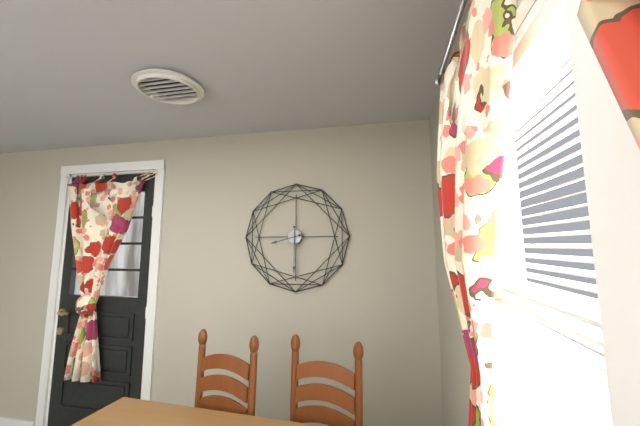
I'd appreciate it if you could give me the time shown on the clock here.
8:30
